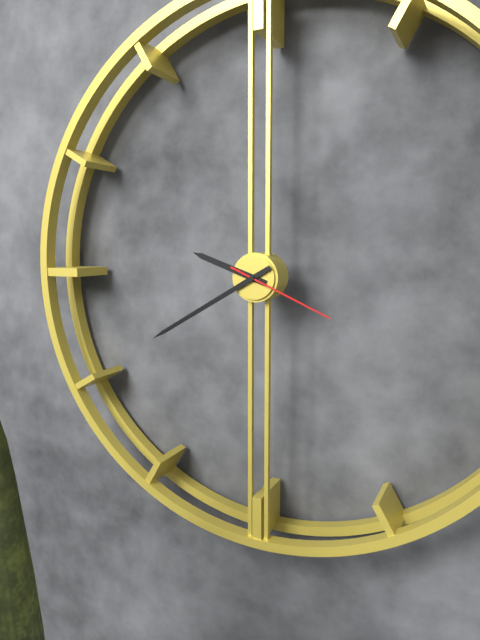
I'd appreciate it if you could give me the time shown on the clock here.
9:40:19
